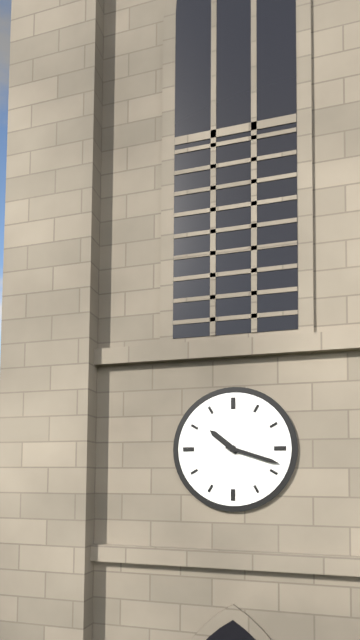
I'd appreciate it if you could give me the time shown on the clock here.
10:18
